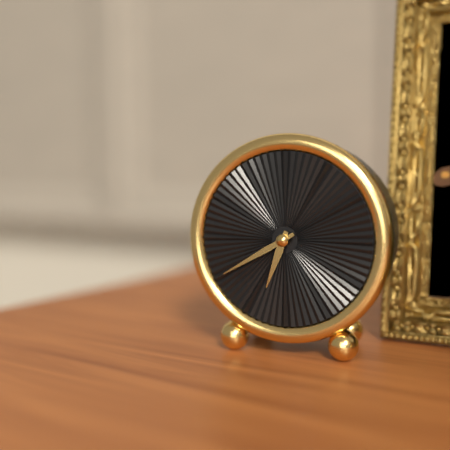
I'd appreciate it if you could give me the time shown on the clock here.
6:40
